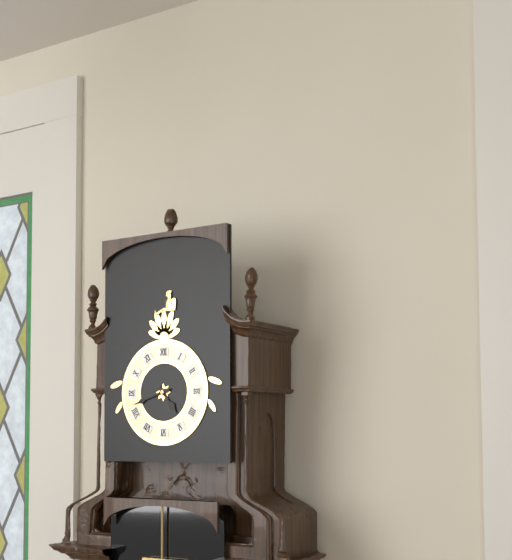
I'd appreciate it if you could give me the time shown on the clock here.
4:42
